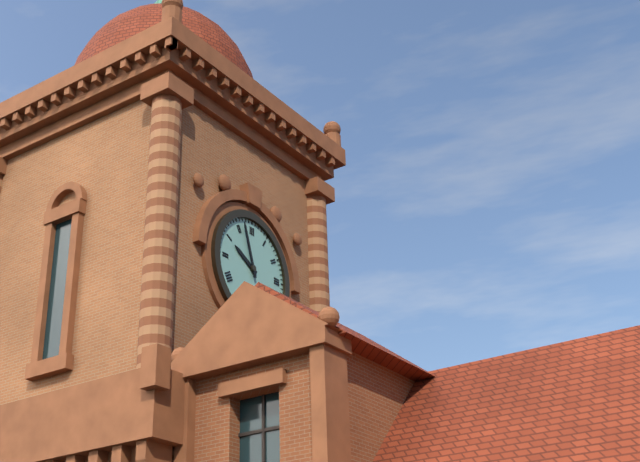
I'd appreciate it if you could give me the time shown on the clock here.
9:57
